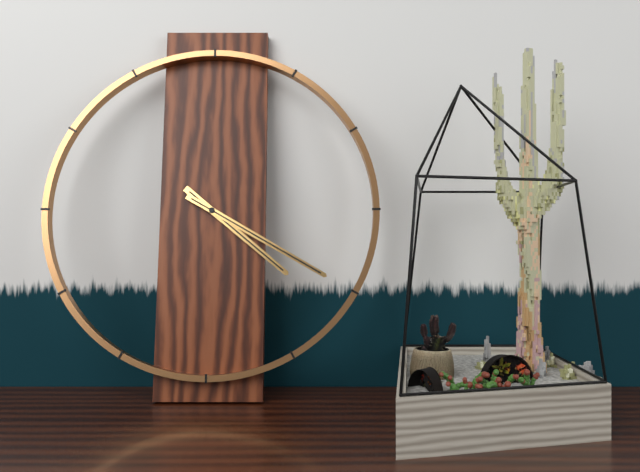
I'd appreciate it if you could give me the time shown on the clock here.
4:20
